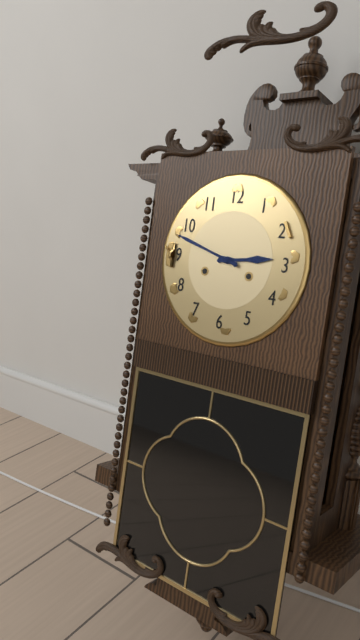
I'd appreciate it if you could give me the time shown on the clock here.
2:48
